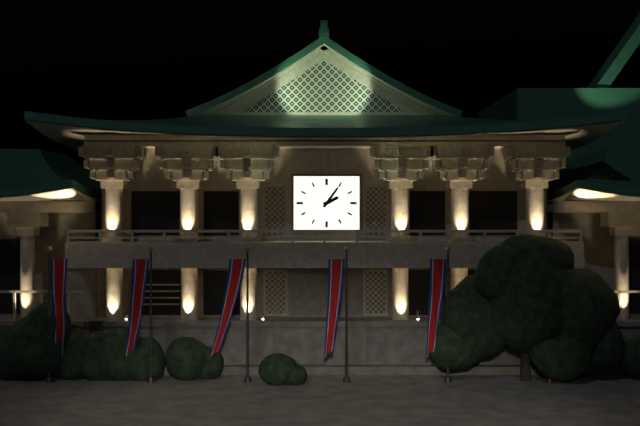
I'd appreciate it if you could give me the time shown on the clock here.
2:06
